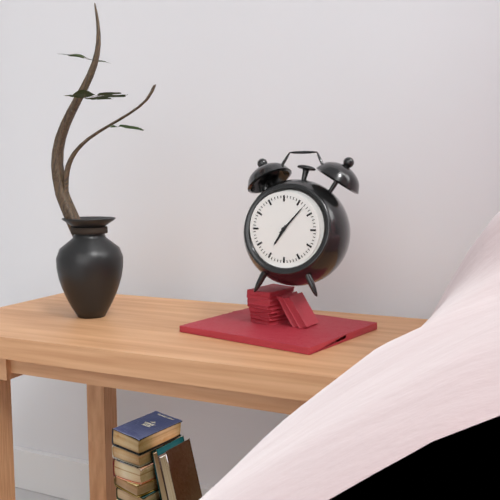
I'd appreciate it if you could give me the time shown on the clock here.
7:07
